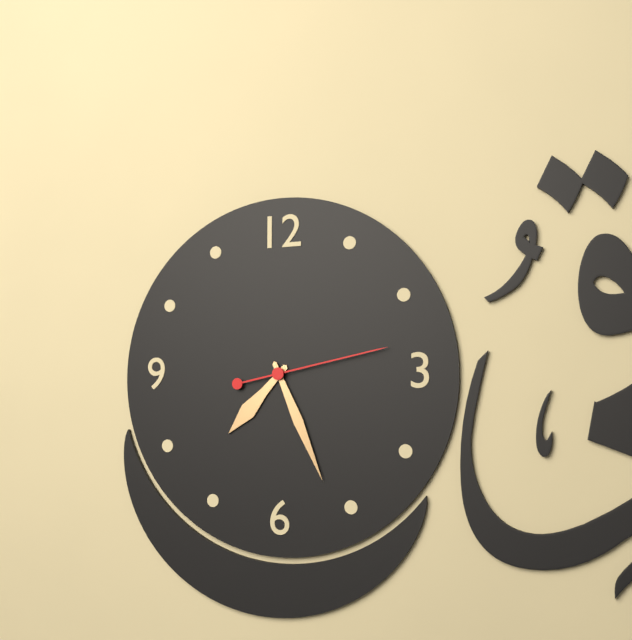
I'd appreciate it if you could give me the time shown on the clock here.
7:26:13
